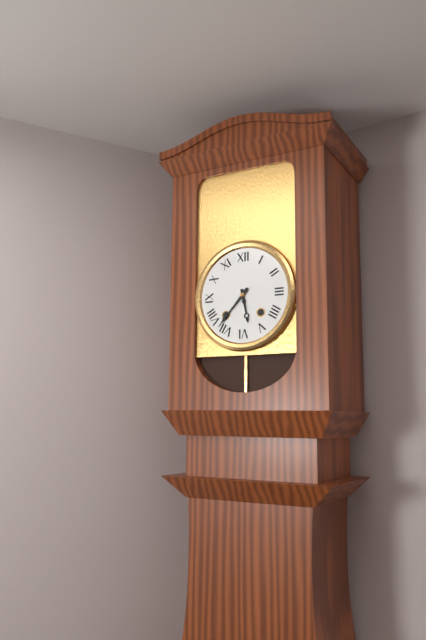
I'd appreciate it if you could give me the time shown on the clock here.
5:37
